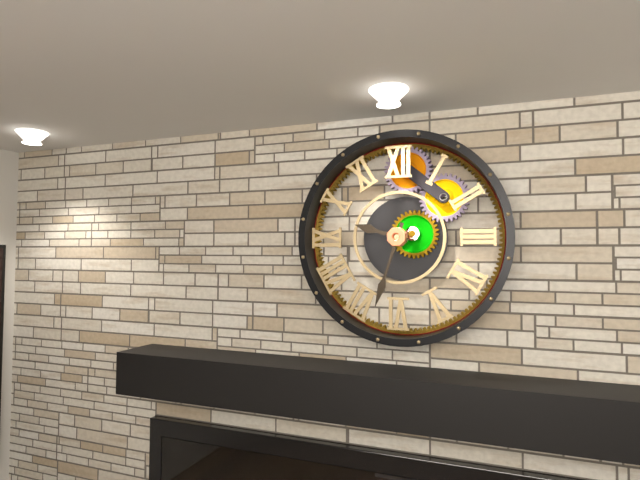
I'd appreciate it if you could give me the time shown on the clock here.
9:33
